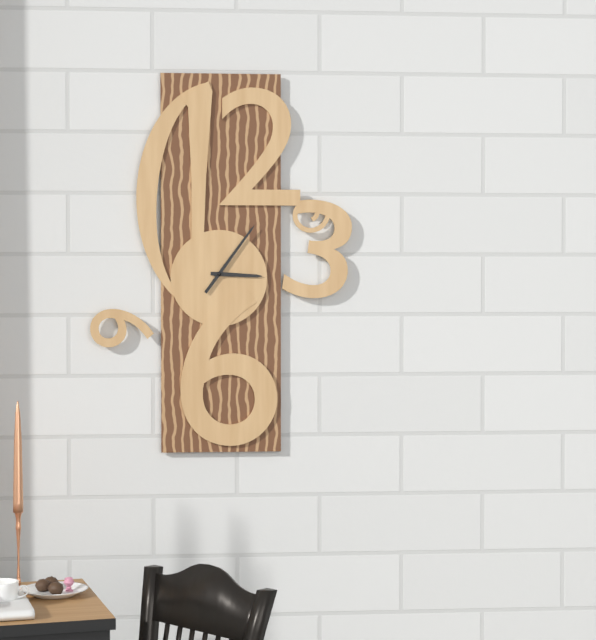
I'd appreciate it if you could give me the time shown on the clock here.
3:06
